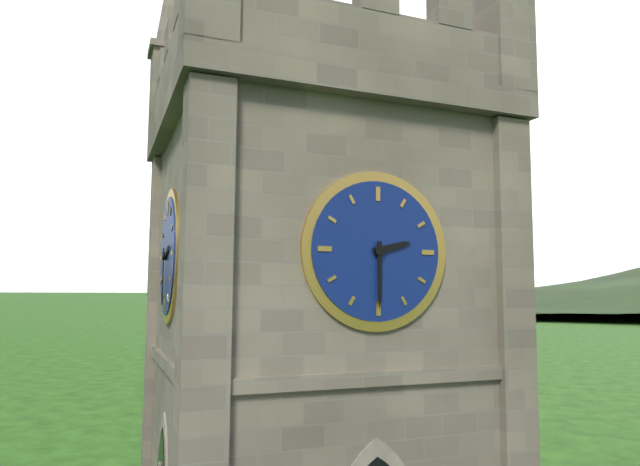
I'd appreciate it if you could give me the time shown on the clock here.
2:30
